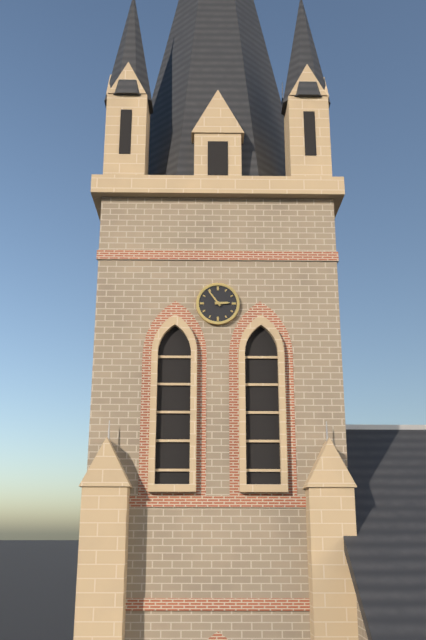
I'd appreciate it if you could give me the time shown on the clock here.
2:54
